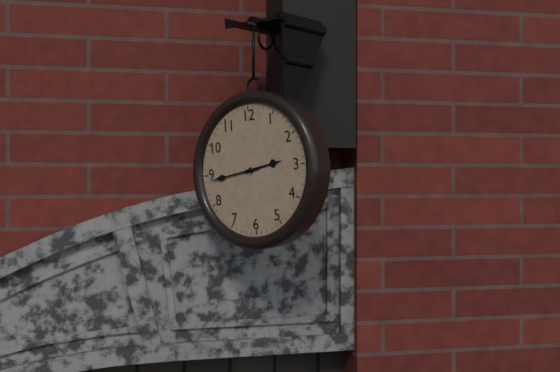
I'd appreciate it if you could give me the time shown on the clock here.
2:44
